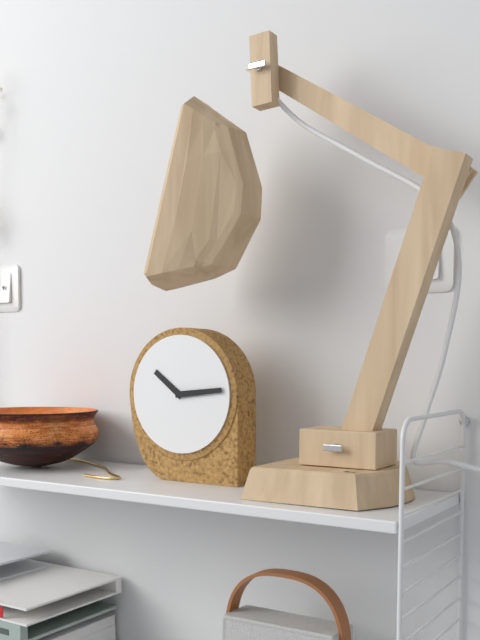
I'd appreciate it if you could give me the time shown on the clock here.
10:14
